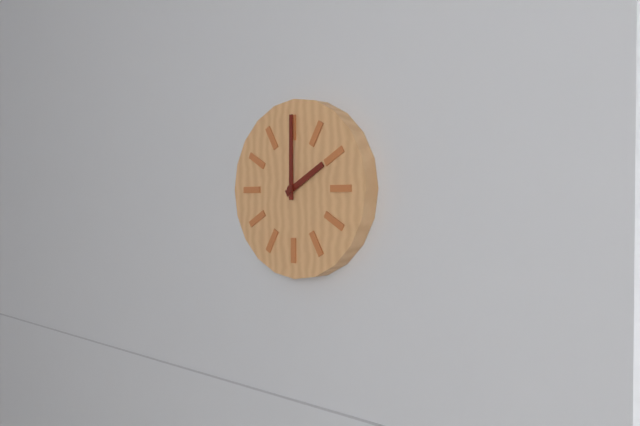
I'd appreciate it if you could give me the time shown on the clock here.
2:00
